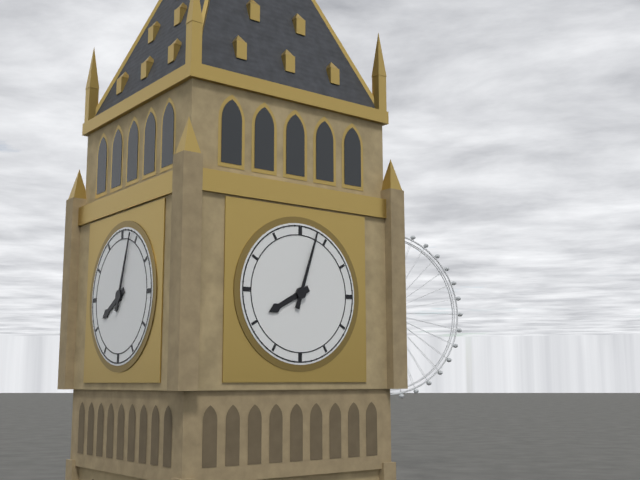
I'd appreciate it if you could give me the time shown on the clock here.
8:03
